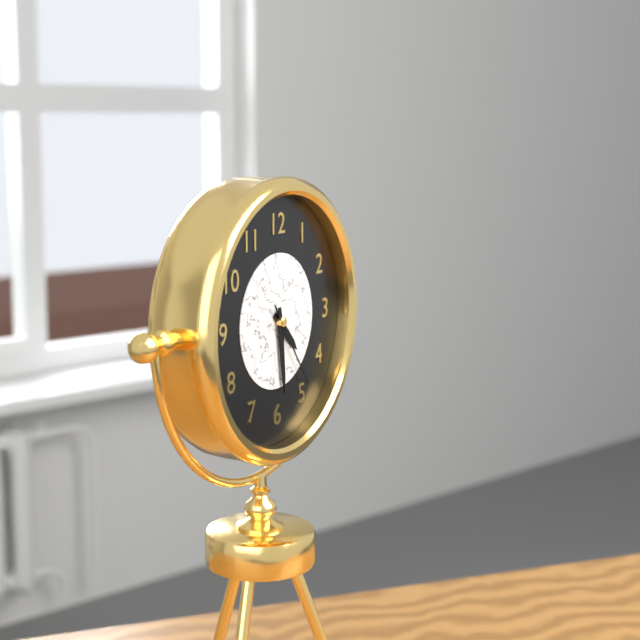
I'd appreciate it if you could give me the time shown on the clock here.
4:29:24
